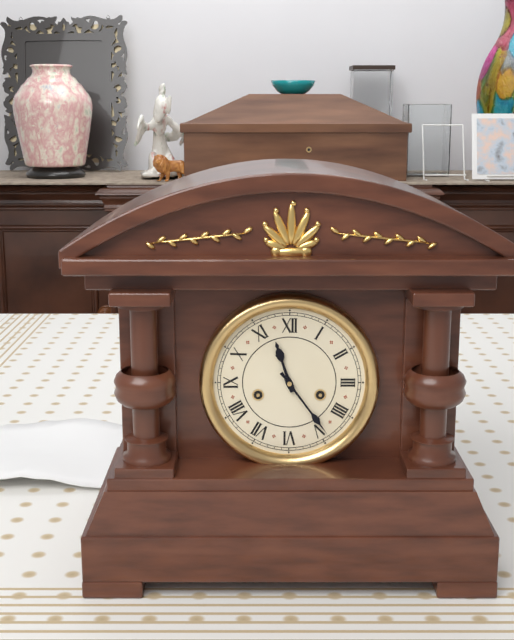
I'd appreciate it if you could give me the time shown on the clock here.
11:24
